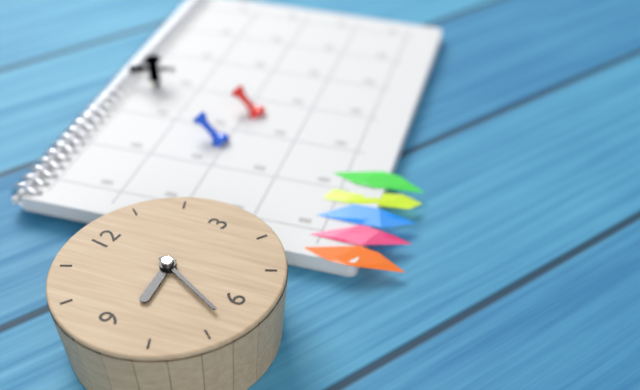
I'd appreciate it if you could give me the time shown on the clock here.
8:33
